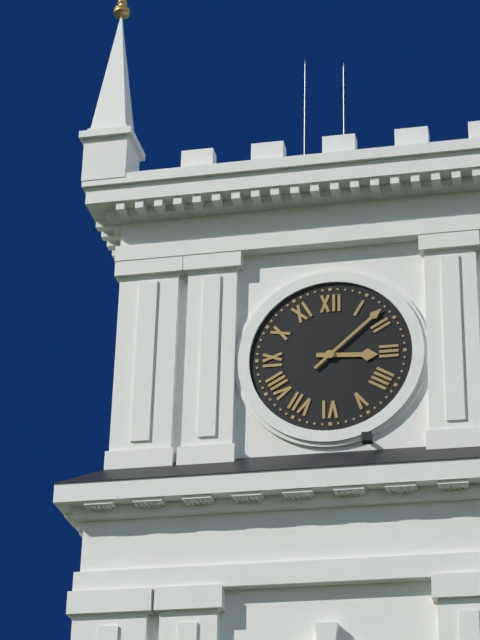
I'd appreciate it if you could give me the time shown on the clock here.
3:08
